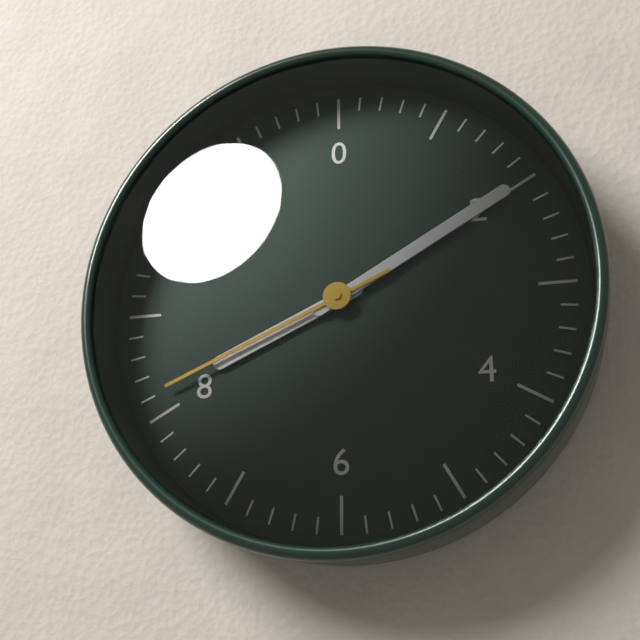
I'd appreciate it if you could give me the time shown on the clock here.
8:10:41
